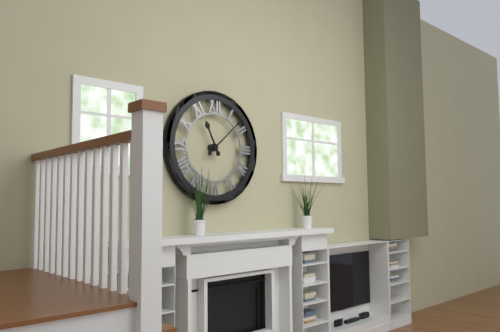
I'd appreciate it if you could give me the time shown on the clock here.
11:08
